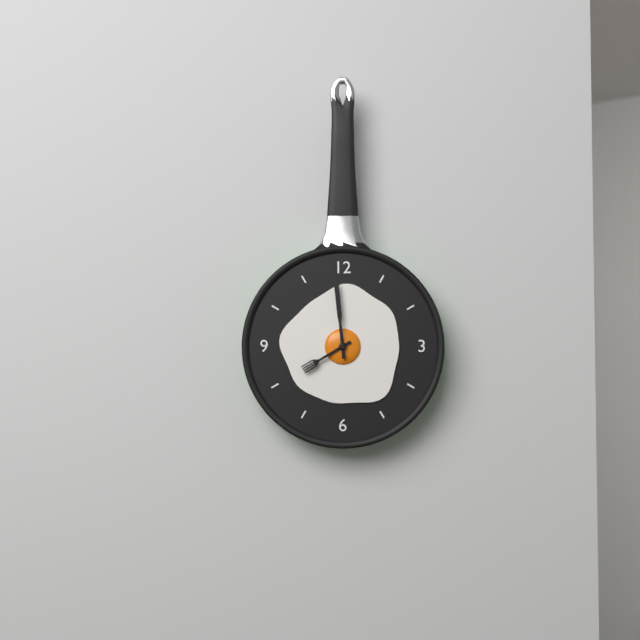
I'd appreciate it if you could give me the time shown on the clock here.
7:59
